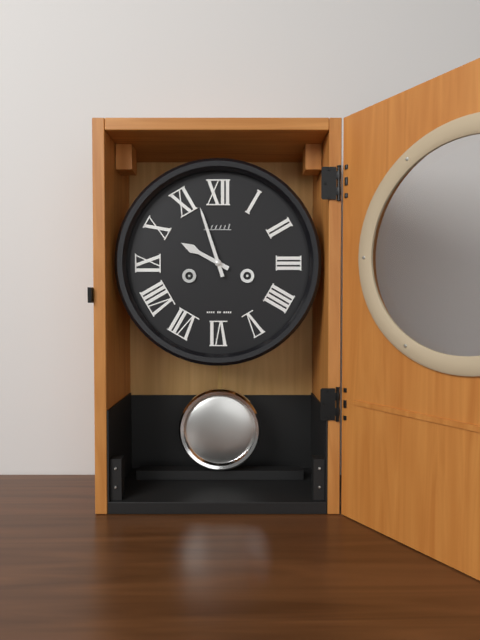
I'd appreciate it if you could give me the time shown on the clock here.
9:57
